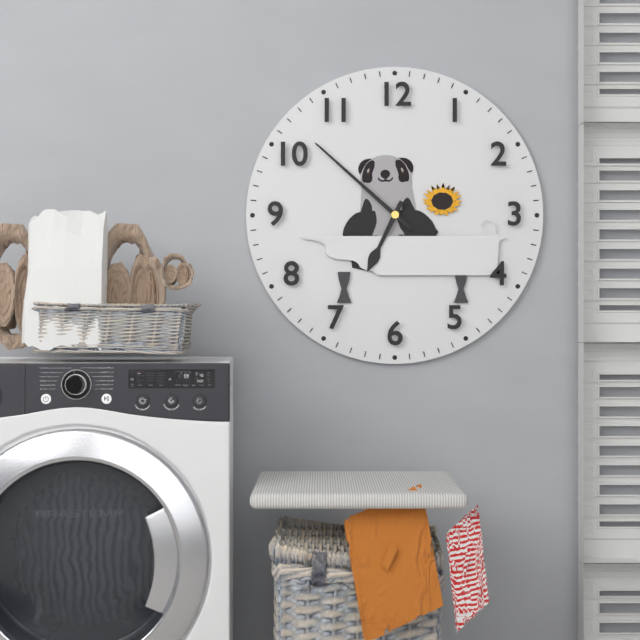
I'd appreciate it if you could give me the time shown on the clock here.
6:52
